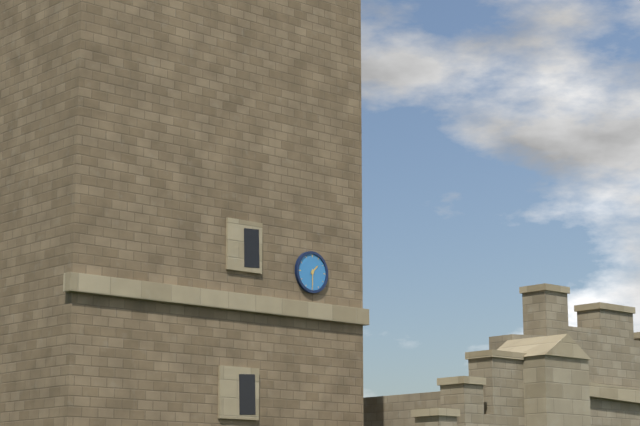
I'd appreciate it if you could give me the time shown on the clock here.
1:30
